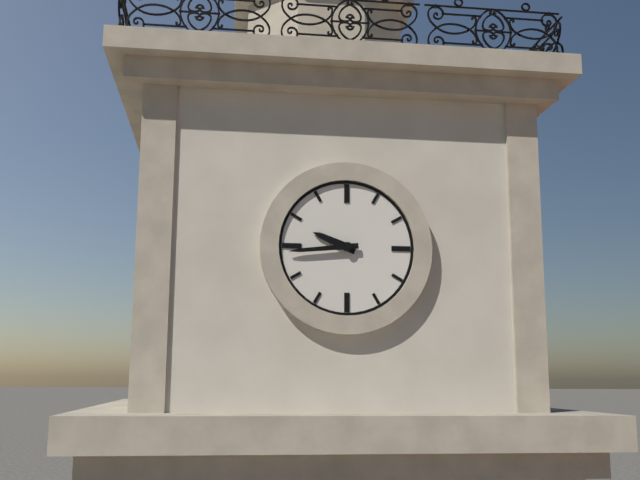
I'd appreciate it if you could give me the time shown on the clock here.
9:44
